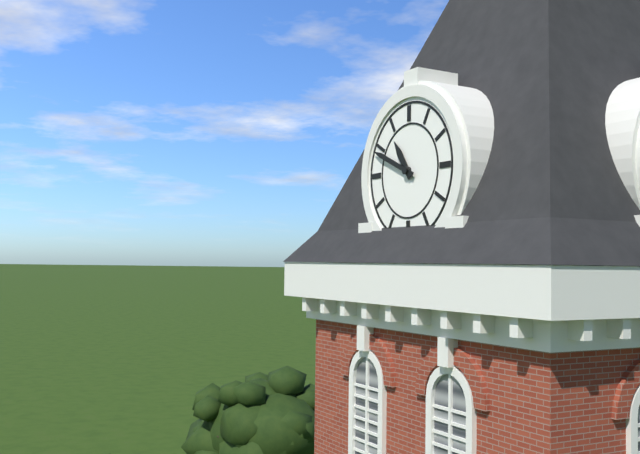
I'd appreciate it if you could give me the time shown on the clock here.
10:49
